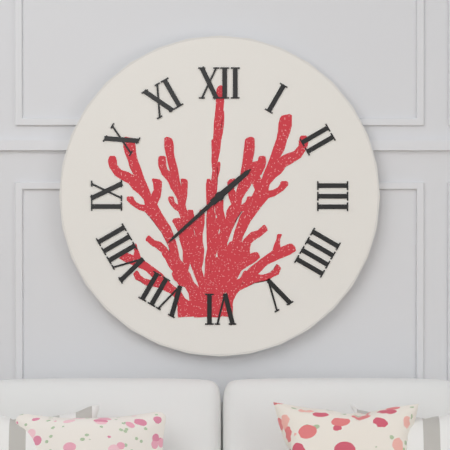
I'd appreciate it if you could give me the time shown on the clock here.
1:38
